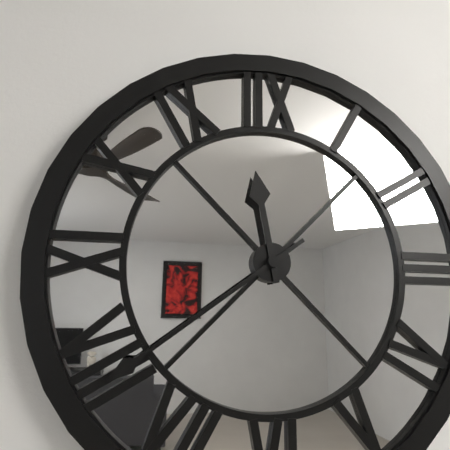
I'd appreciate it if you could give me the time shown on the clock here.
11:39
